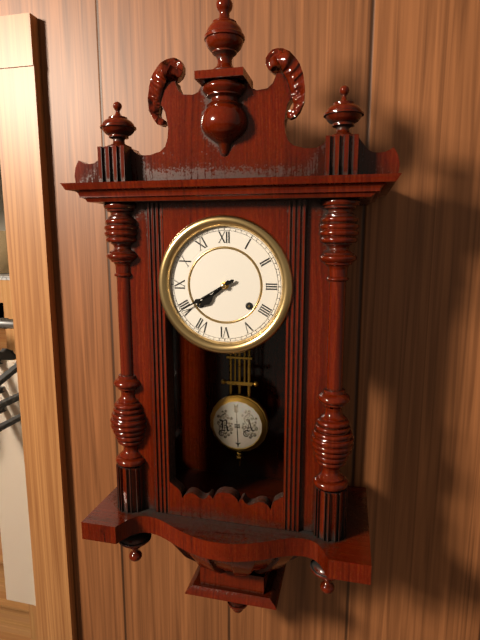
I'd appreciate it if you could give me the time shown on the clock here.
7:40
